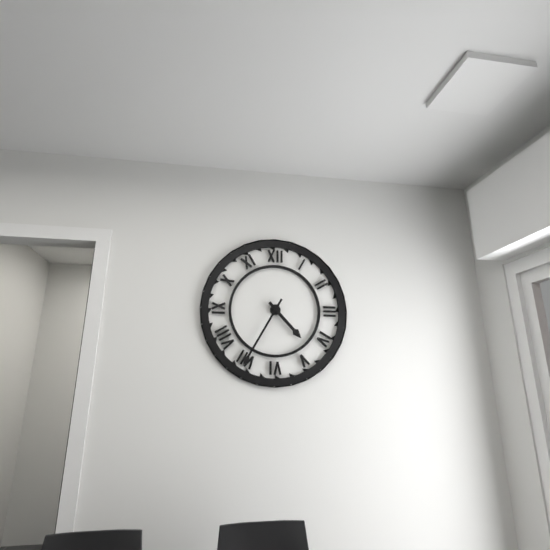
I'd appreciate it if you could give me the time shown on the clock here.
4:35
